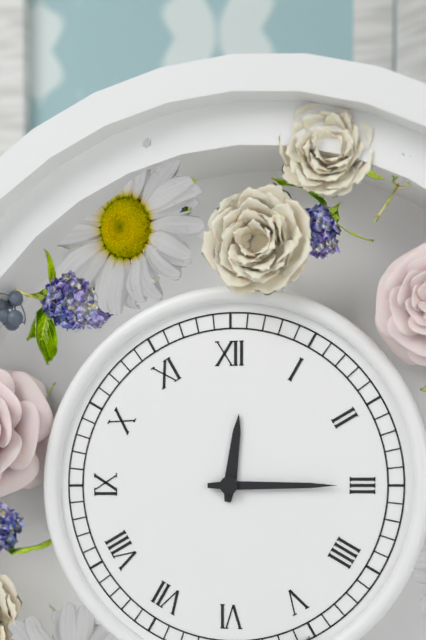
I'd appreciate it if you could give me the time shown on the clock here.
12:15
